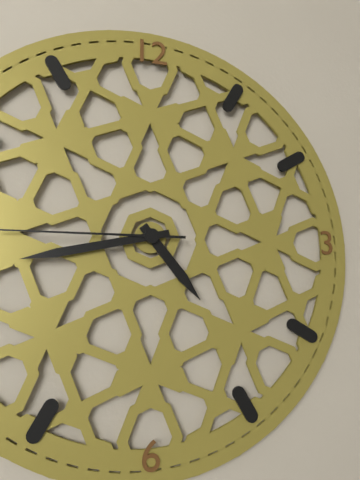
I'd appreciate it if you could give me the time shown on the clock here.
4:43
